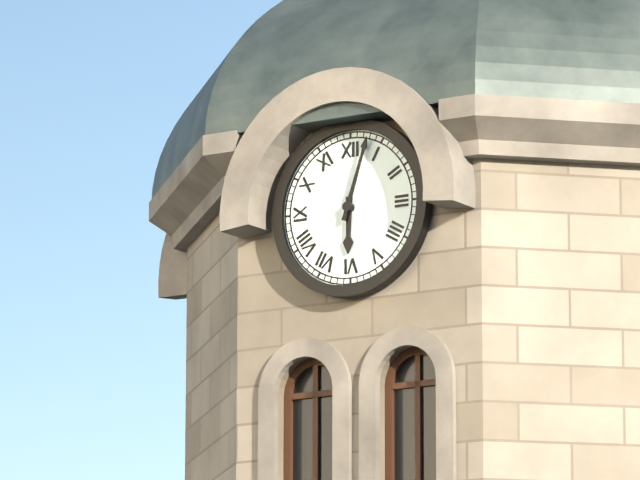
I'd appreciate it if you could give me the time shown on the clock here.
6:03
